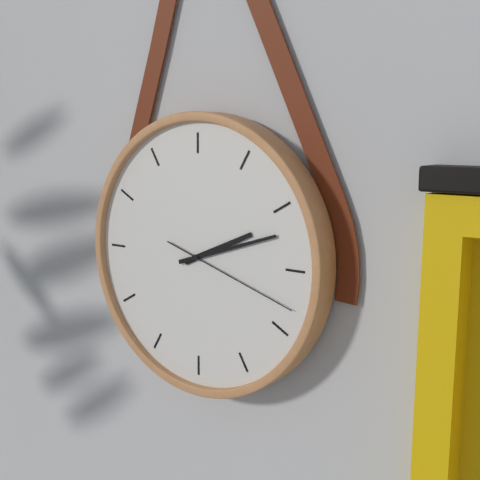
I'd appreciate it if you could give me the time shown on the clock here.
2:12:18
